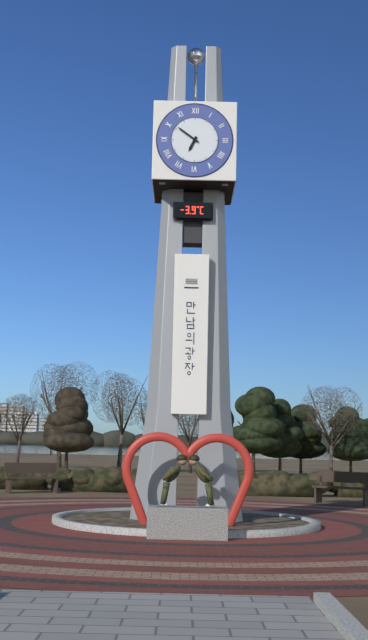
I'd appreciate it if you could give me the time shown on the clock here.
6:51
